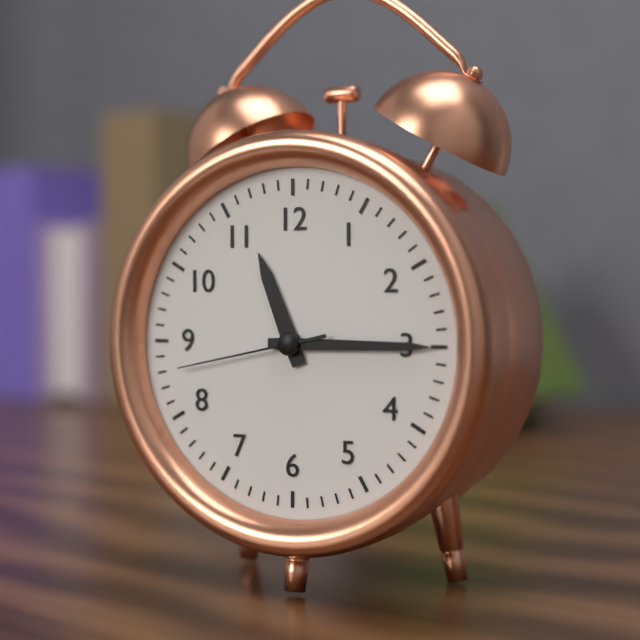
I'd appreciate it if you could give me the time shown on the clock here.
11:15:43
